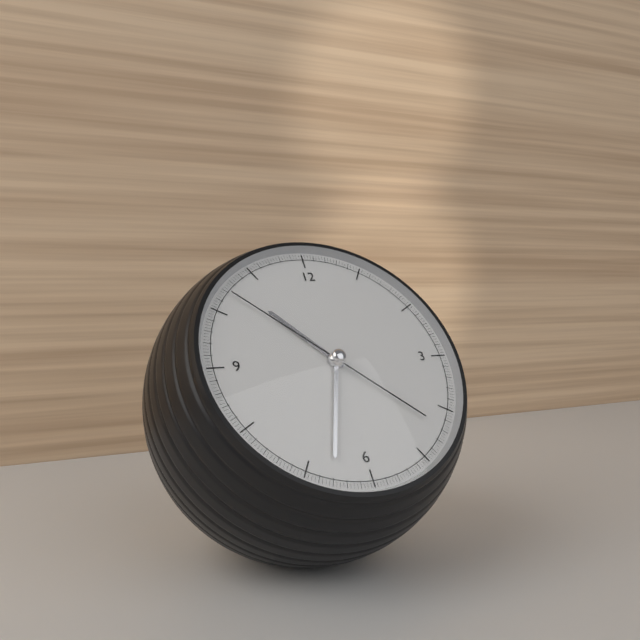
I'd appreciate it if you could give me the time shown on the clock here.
10:33:52
